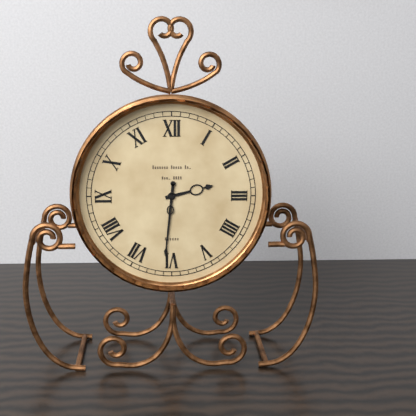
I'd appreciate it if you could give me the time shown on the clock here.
2:31
